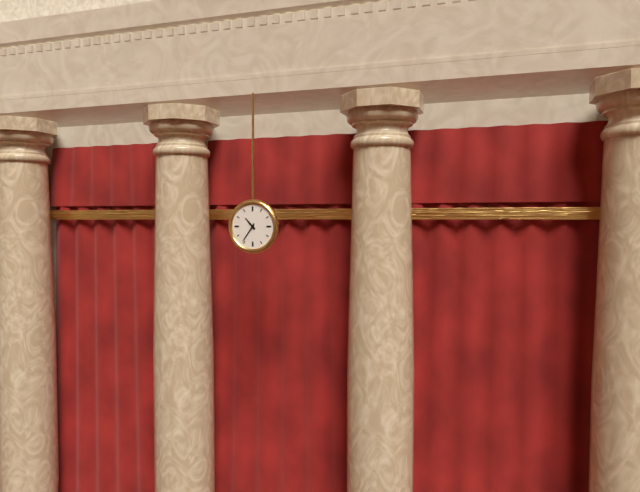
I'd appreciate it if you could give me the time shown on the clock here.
10:36
